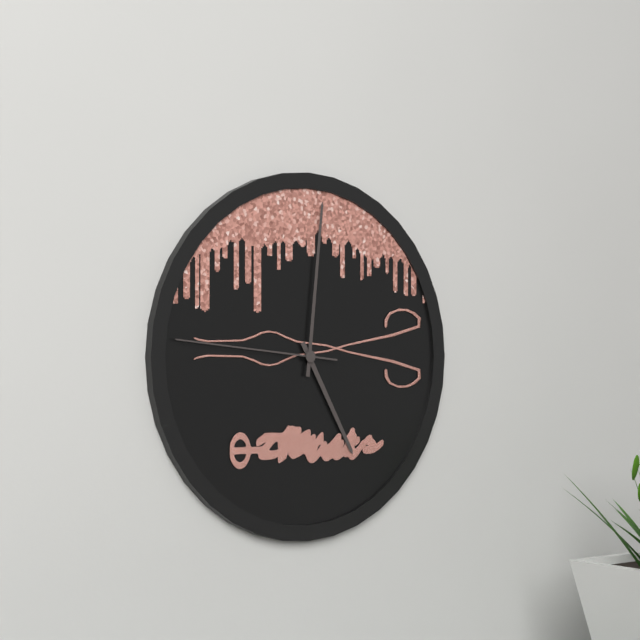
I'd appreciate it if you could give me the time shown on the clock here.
5:01:46
